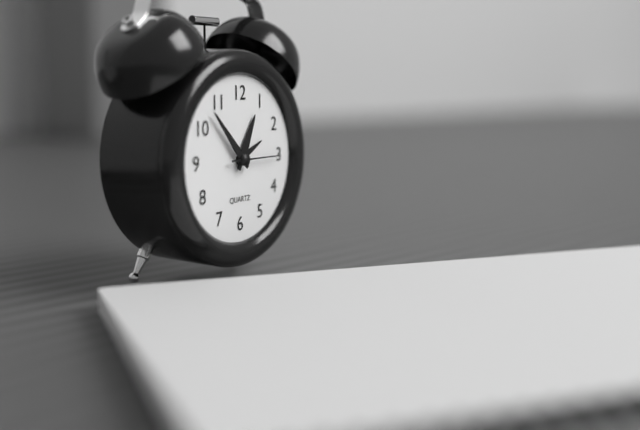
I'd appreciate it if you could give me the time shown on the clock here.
12:53
